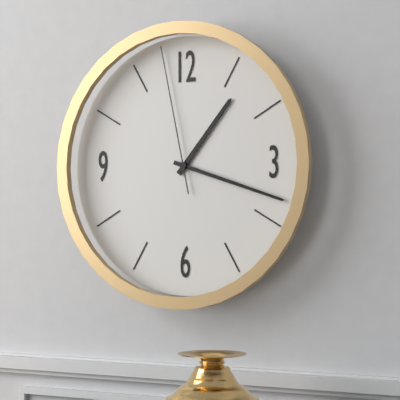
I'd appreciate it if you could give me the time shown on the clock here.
1:18:58
